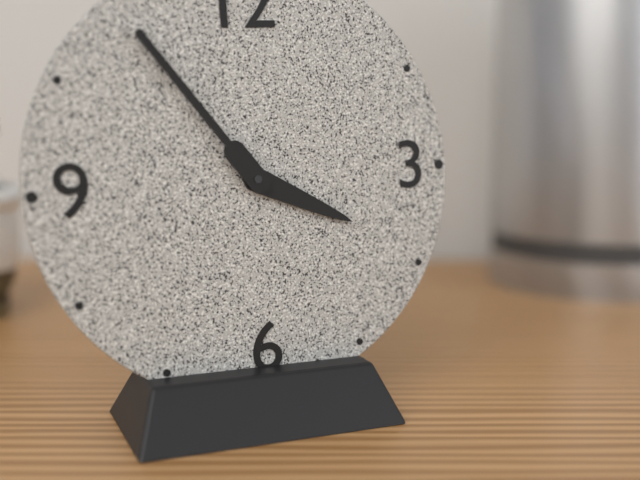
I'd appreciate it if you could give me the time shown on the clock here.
3:54
